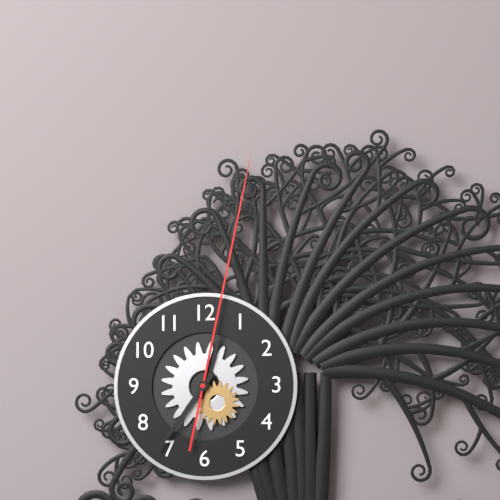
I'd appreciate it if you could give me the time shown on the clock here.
12:36:02
